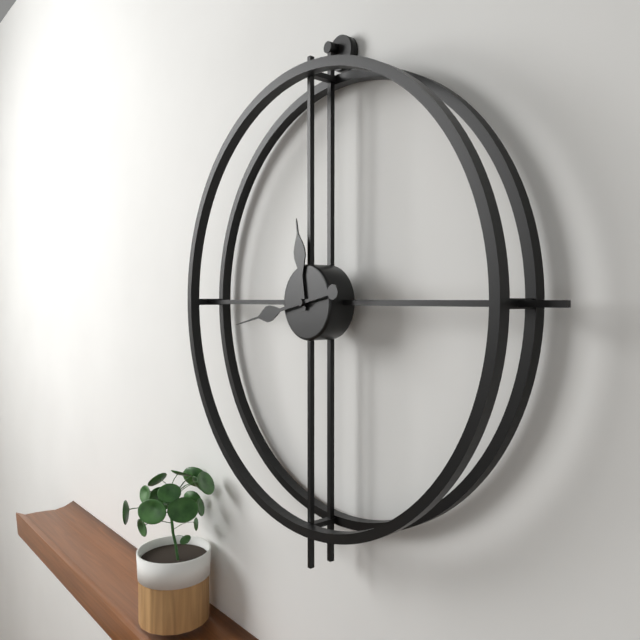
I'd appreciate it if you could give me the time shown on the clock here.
11:43
